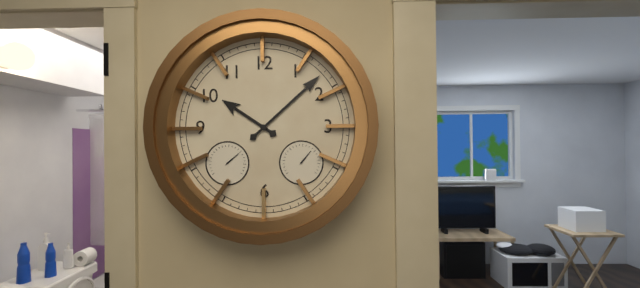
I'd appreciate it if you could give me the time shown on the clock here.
10:08
